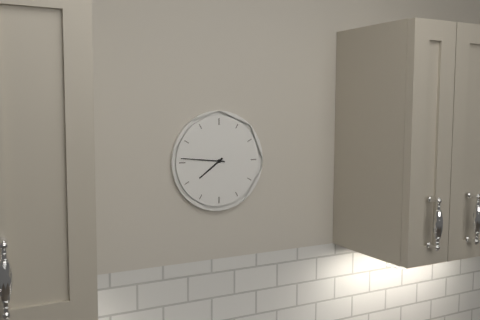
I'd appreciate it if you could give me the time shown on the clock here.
7:46
